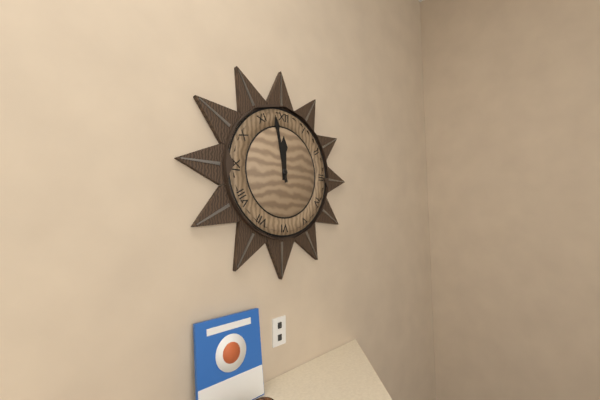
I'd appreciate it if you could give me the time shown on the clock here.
11:58
